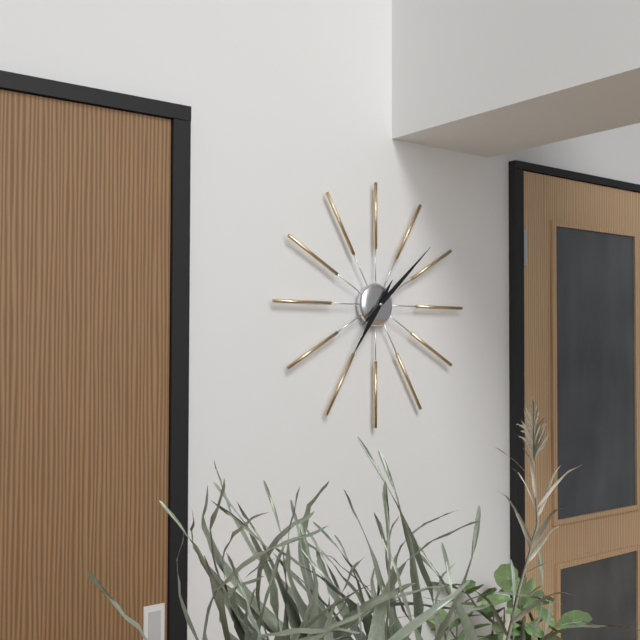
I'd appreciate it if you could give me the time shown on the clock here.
7:08
